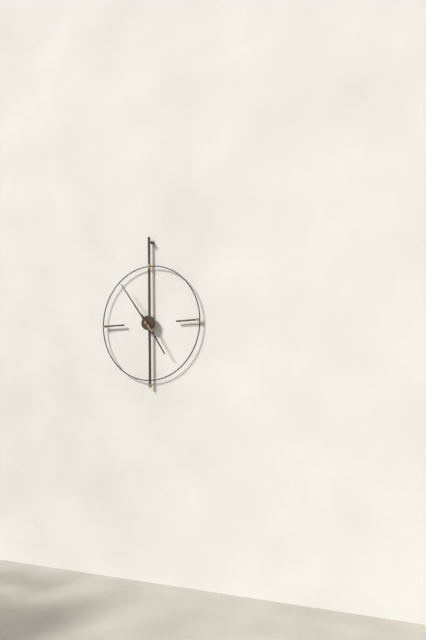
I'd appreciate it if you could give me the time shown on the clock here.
4:54
